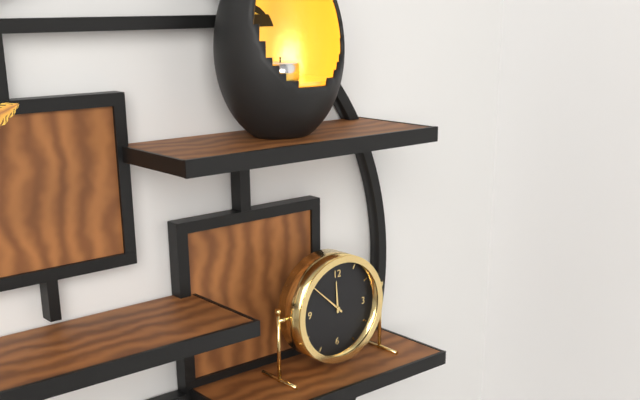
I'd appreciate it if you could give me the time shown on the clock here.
11:52
